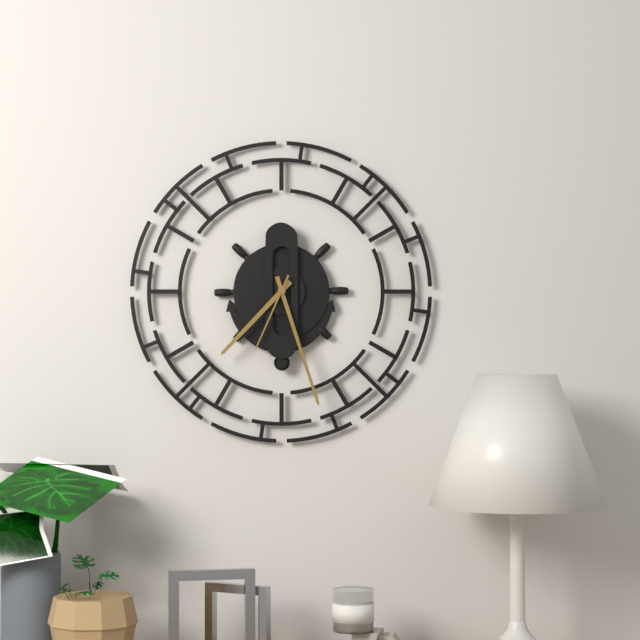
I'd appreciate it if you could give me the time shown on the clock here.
7:27:34
